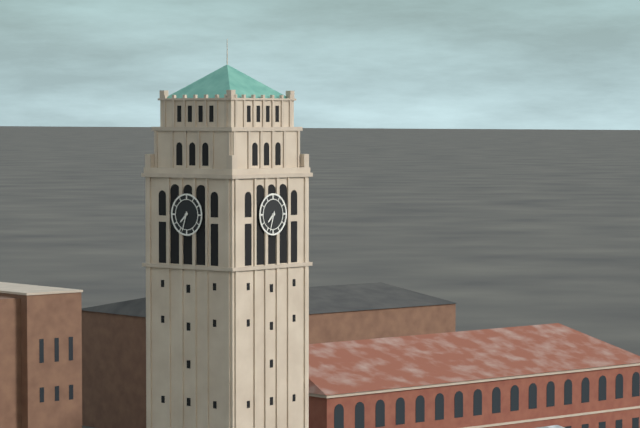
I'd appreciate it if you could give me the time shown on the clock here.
7:33
